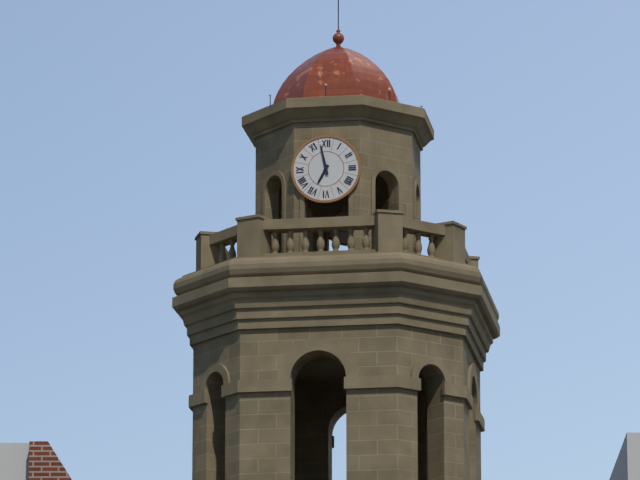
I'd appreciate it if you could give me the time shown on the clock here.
6:58
